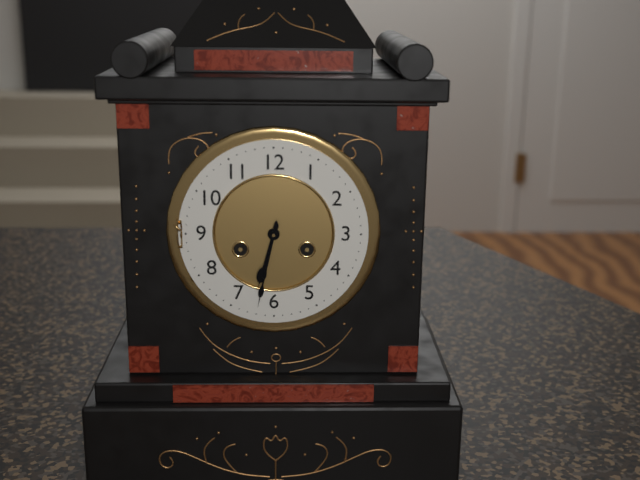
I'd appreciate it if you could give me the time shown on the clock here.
6:32
